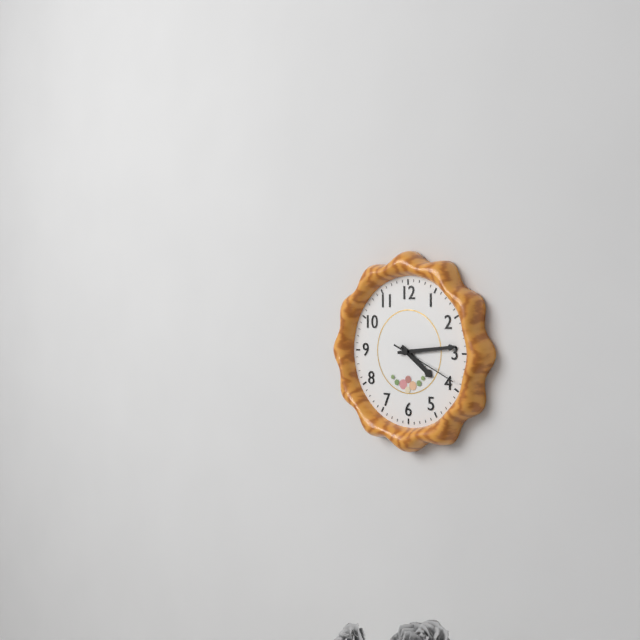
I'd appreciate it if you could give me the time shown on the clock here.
4:14:19
